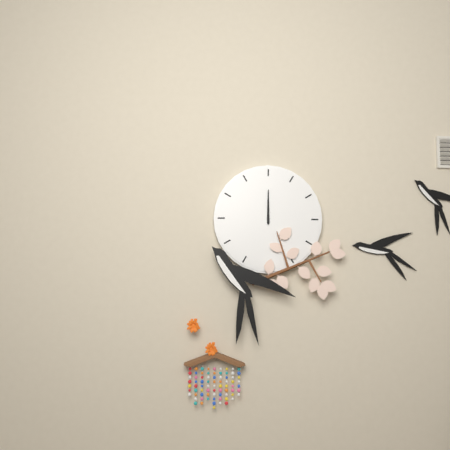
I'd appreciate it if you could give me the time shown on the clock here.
12:00
